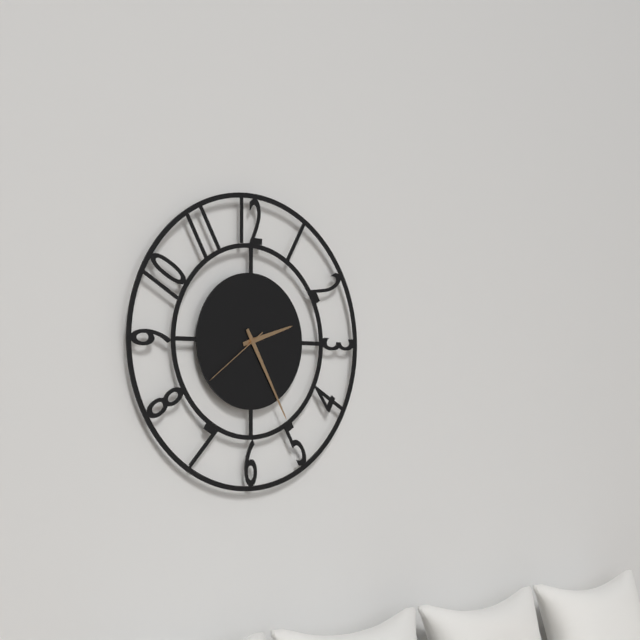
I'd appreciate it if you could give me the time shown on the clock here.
2:25:39
